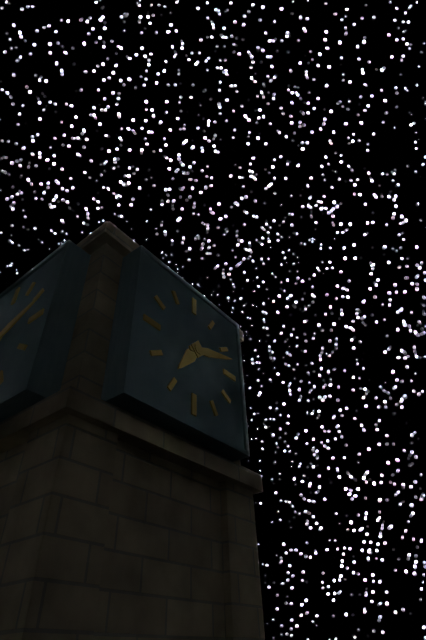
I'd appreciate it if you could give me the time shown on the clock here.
7:12
